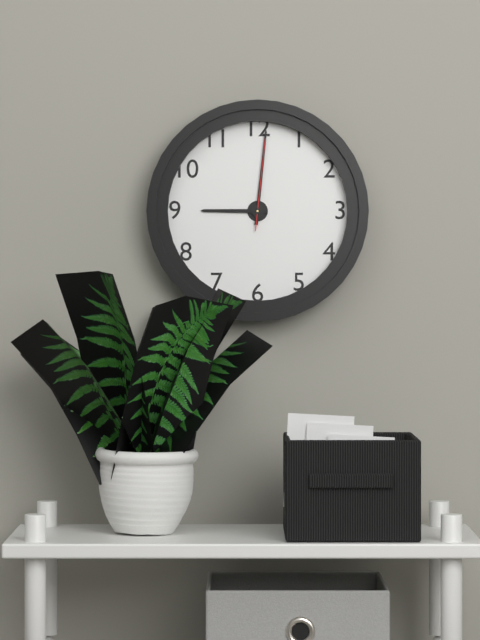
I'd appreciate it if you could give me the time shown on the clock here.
9:01:01
